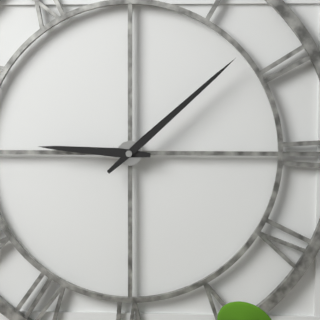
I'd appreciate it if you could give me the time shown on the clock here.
9:08
